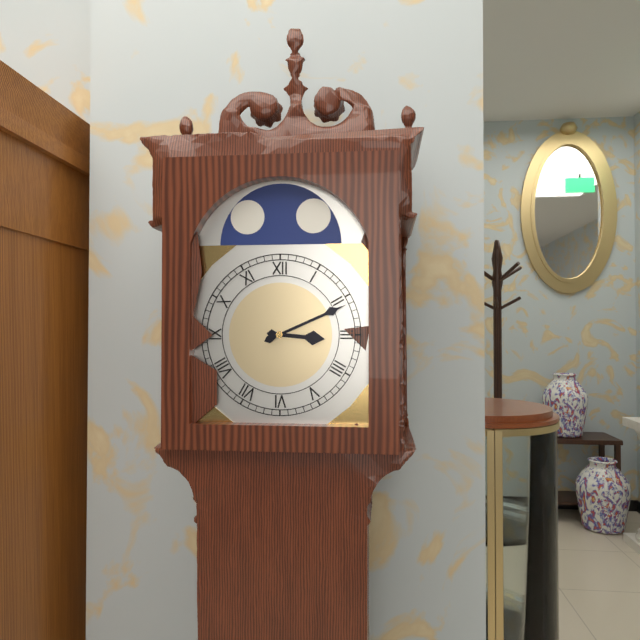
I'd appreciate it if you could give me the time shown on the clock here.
3:11
